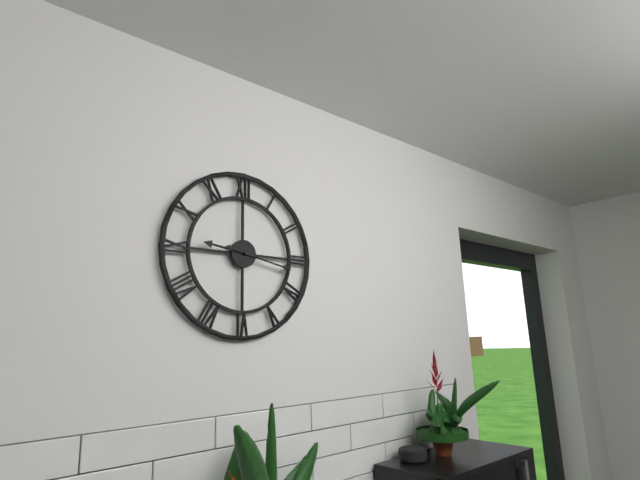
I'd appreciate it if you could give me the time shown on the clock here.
9:17
